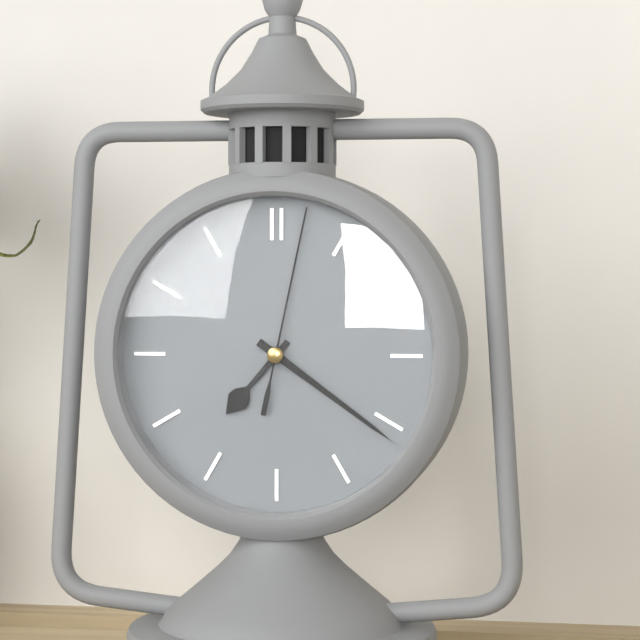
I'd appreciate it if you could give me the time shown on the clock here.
7:21:02
